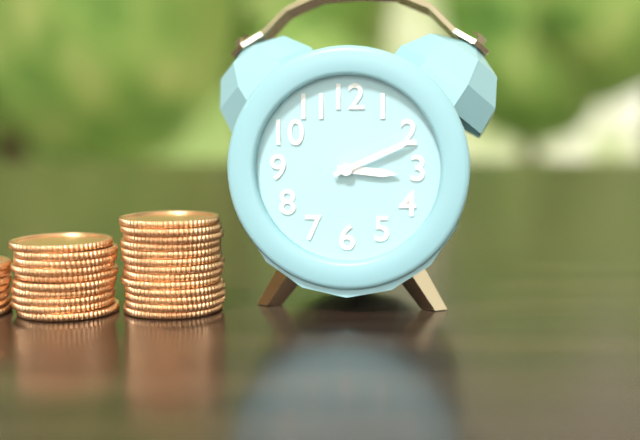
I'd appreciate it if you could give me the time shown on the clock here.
3:11
